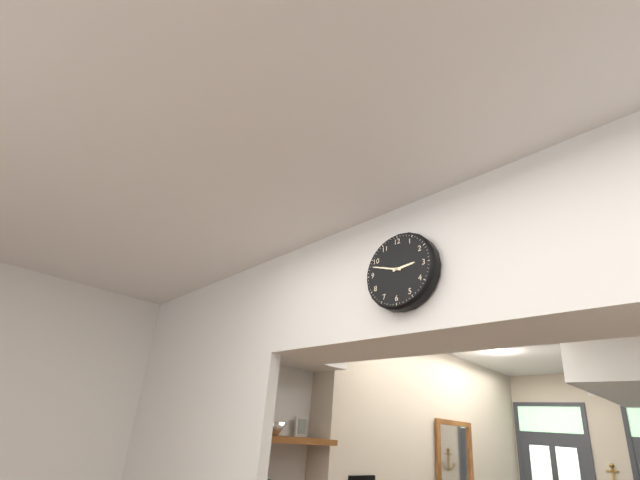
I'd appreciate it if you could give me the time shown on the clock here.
2:48
